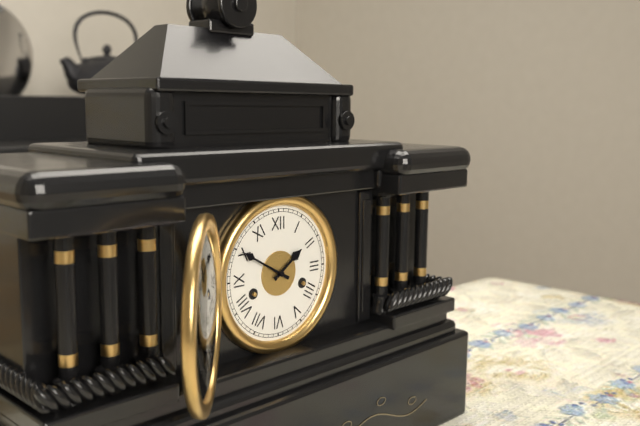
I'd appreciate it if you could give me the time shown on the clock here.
1:50
